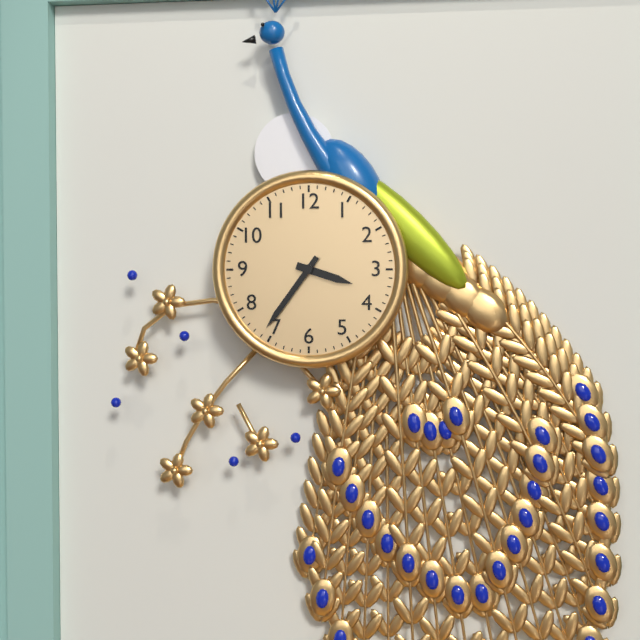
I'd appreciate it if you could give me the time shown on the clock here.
3:36
